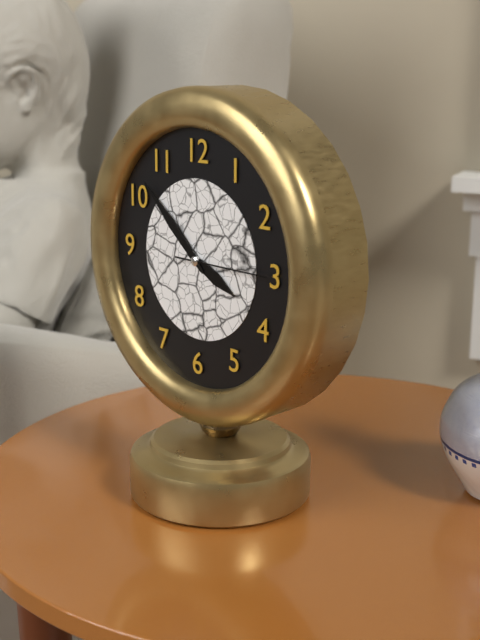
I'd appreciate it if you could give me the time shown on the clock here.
3:52:15
